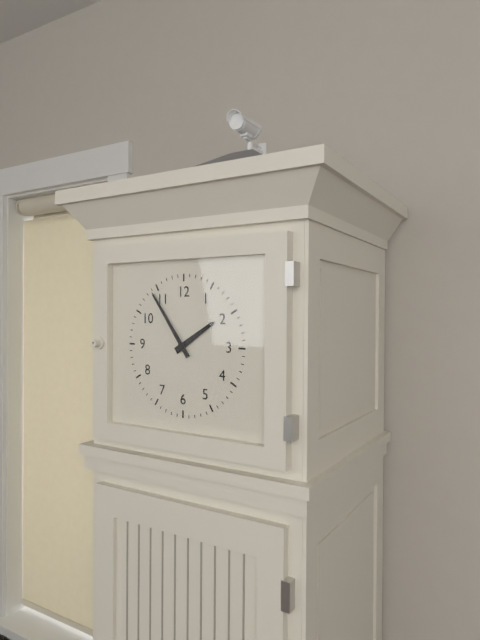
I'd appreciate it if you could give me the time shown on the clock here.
1:54
